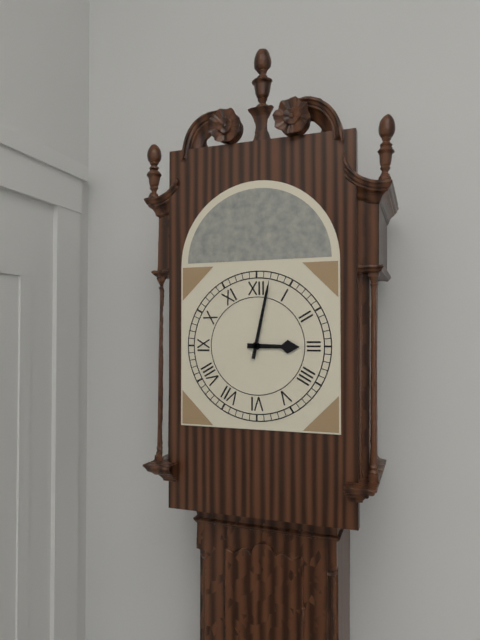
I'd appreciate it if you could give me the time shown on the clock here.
3:02
